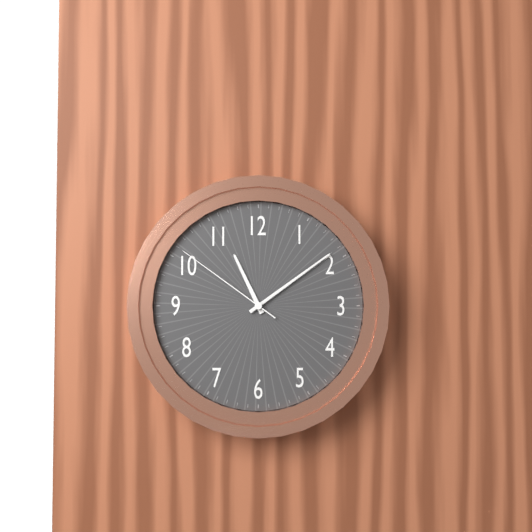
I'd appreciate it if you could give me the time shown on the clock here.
11:09:51
